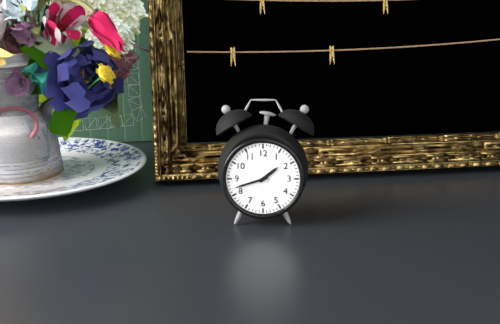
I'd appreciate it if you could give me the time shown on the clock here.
1:42
